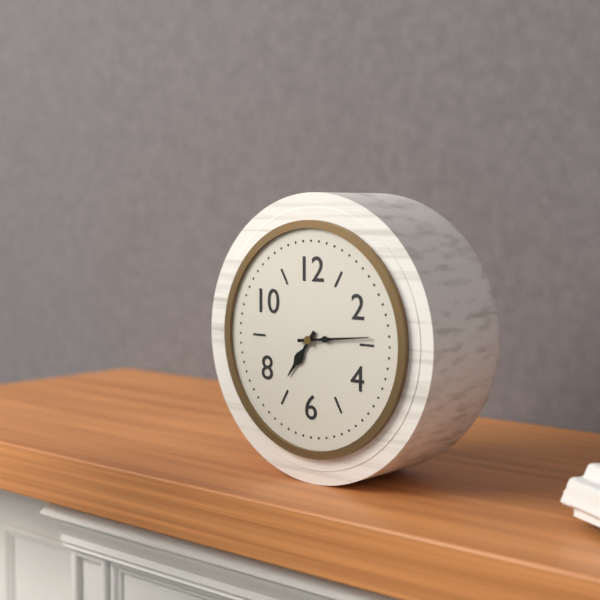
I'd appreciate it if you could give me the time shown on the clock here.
7:14
